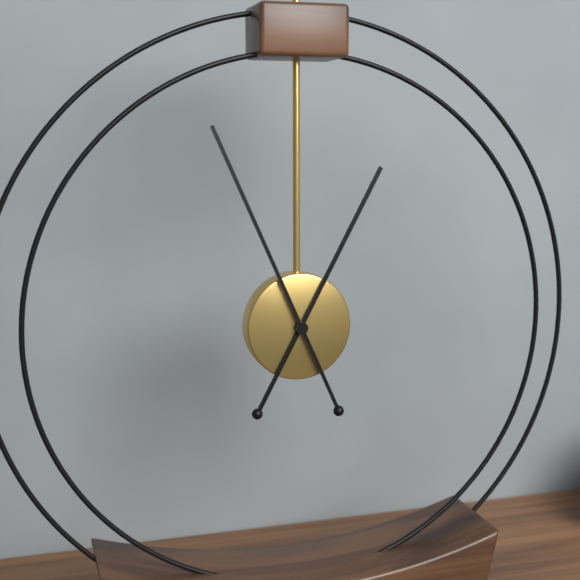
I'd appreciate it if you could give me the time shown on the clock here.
12:56
